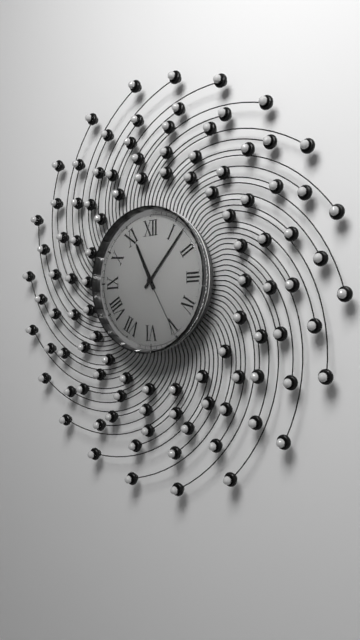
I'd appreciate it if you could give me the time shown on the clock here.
11:07:25
